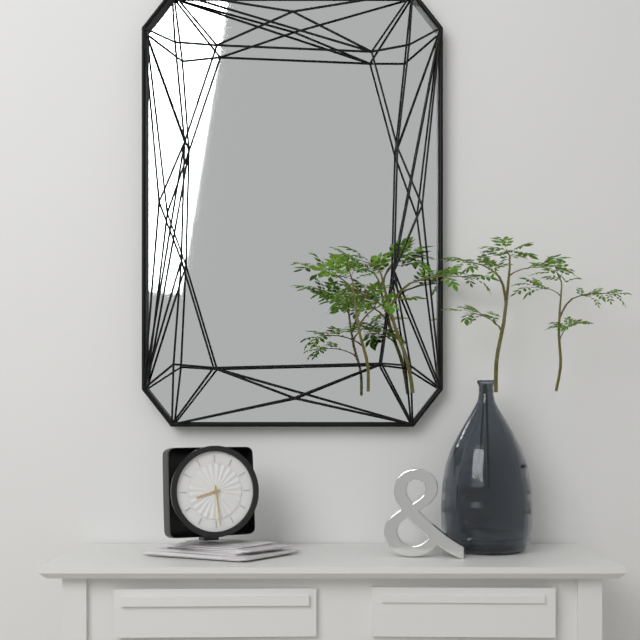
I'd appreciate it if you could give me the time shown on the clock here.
8:29
